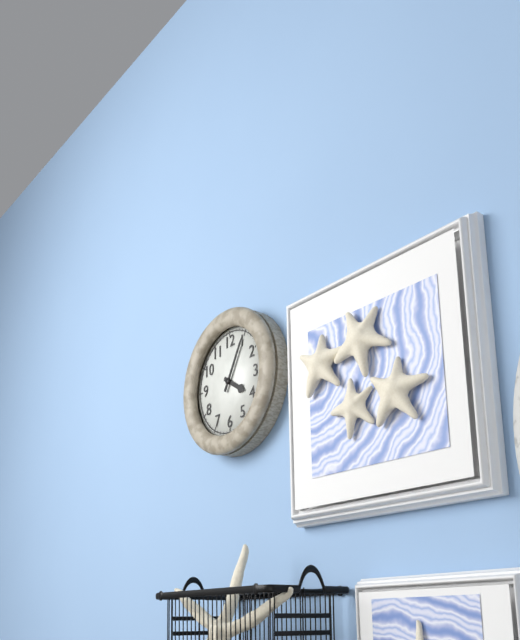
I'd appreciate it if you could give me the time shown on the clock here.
4:05
